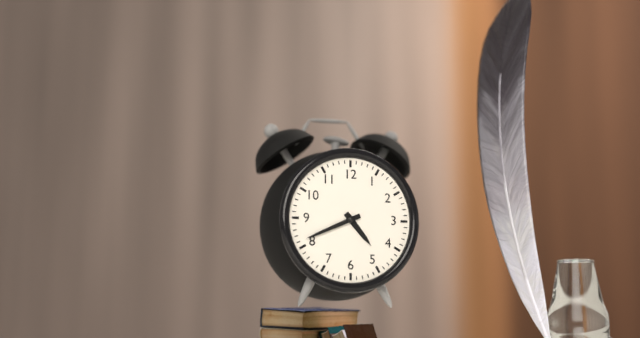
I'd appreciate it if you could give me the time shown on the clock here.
4:41
